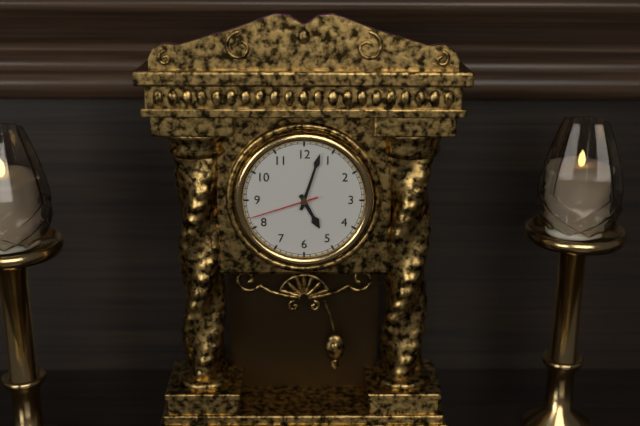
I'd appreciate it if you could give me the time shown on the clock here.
5:03:42
